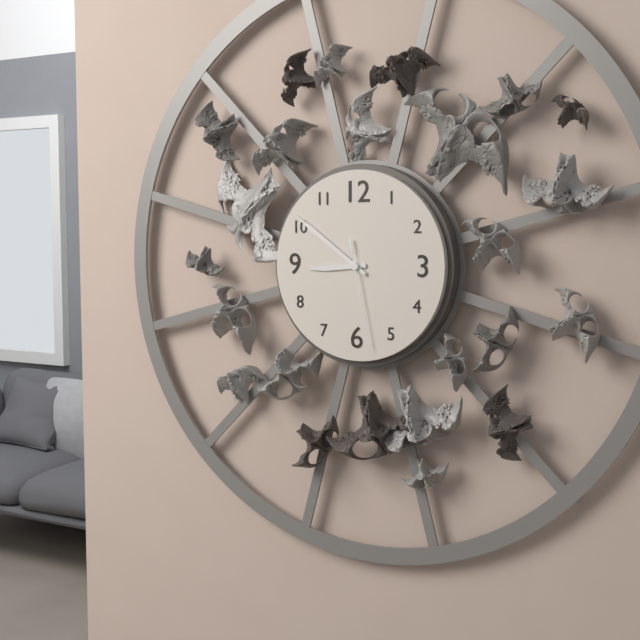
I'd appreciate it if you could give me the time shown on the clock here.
8:51:28
